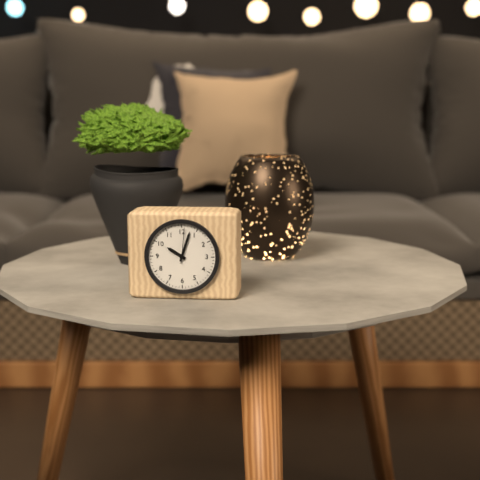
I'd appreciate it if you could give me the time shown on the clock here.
10:03
